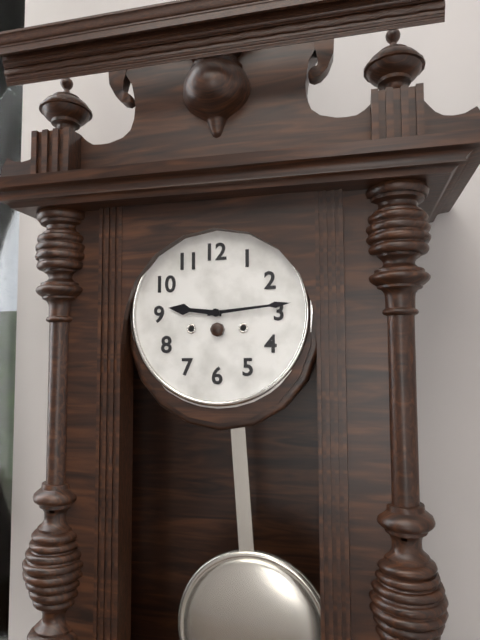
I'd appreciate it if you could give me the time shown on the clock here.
9:14
